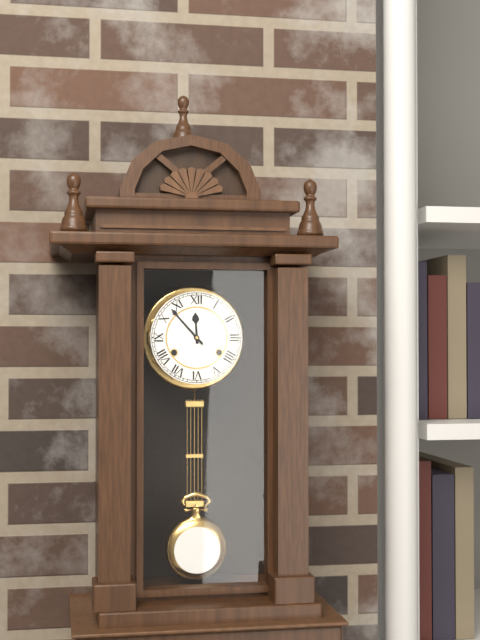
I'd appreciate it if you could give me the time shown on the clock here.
11:53
